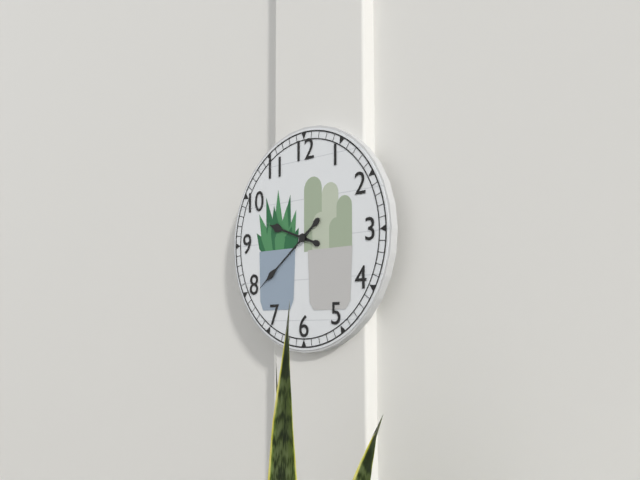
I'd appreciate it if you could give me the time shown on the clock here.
9:39
